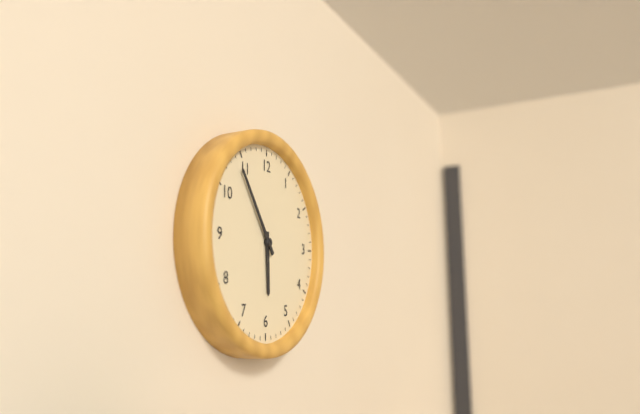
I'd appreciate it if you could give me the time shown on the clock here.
5:54
